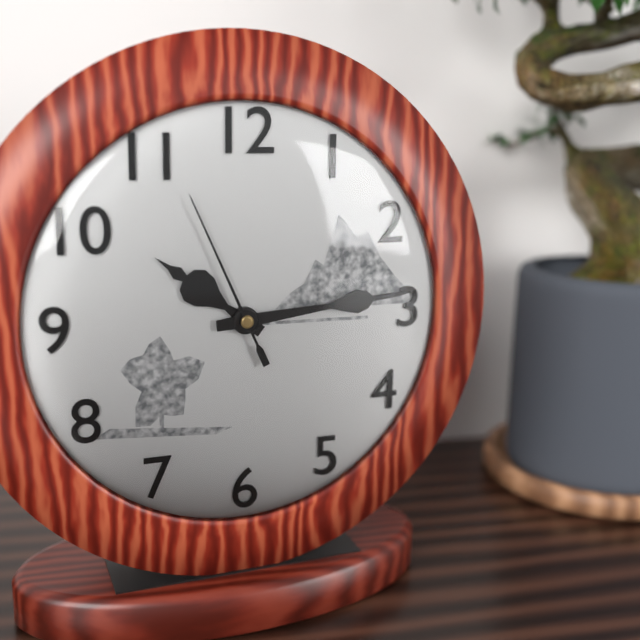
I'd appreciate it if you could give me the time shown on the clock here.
10:14:56
